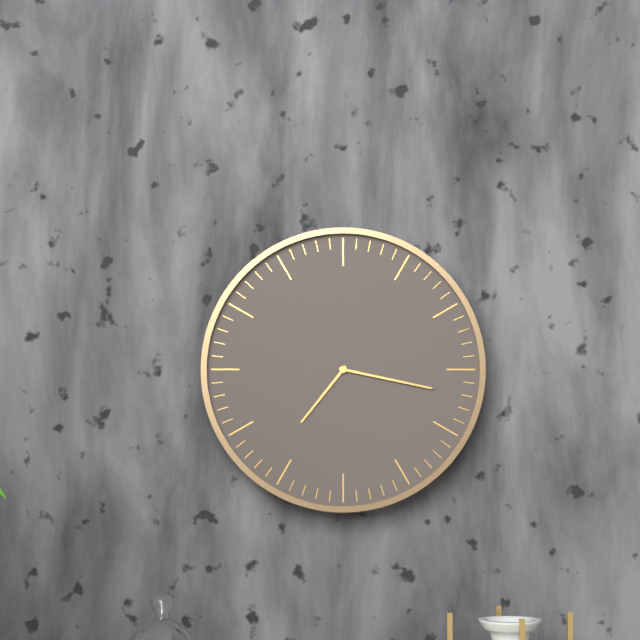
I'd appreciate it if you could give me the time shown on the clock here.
7:17
